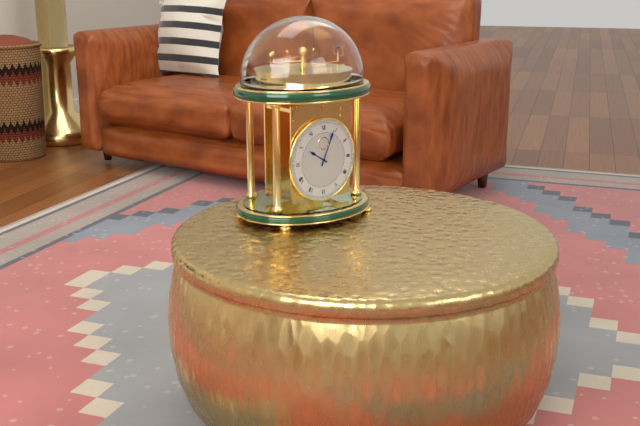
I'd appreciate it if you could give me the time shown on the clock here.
10:04
